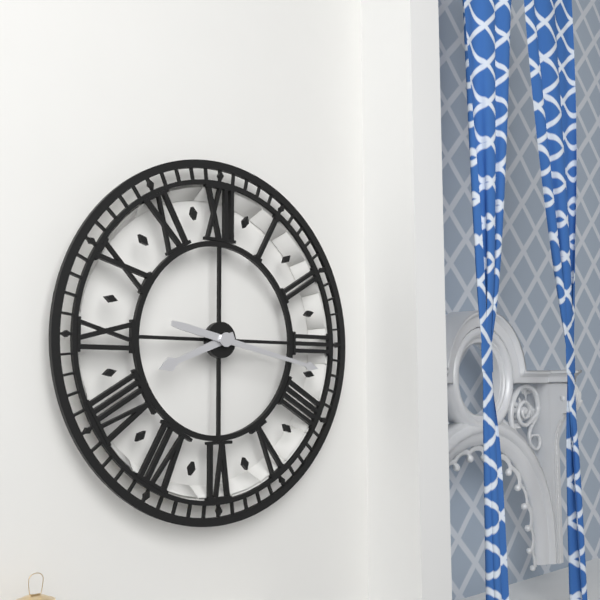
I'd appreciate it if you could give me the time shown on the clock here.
8:17
